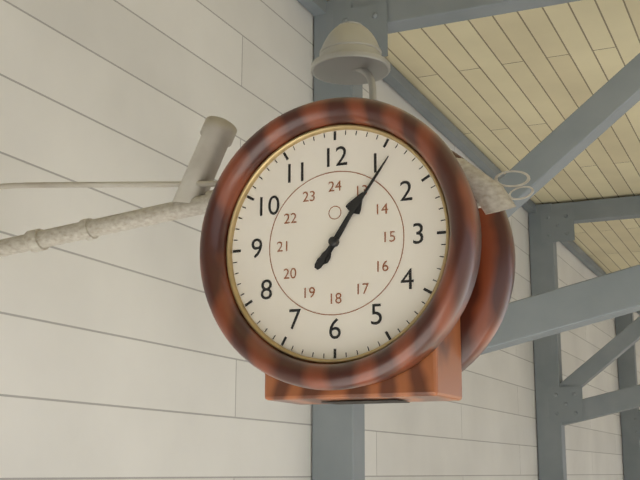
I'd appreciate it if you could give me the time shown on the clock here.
1:06
